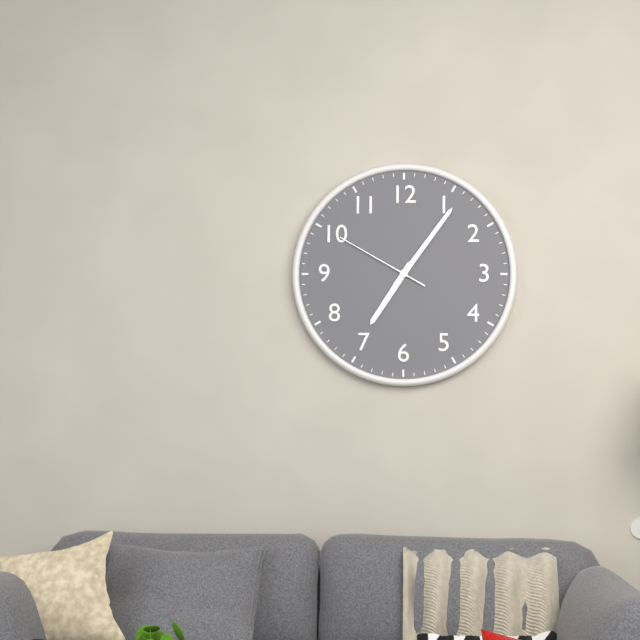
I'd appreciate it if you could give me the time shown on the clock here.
7:06:50
